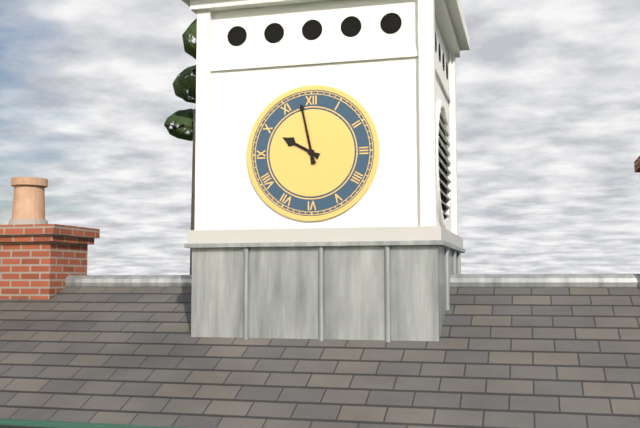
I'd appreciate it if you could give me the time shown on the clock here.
9:58
